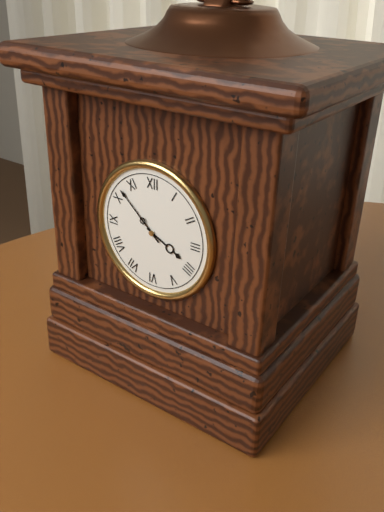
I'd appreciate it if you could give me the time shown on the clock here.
3:52
